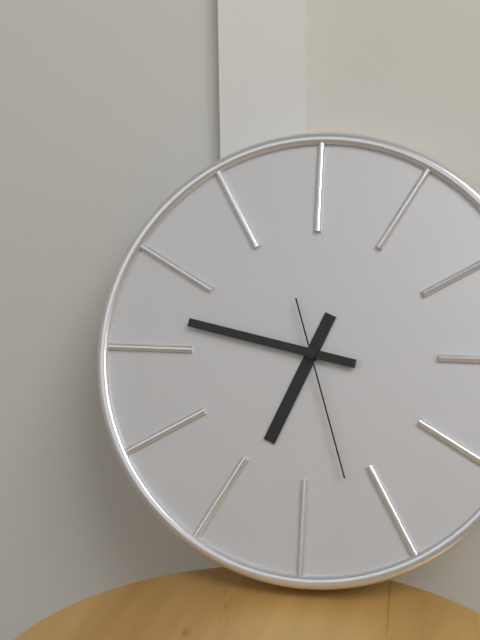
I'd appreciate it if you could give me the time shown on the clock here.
6:47:27
